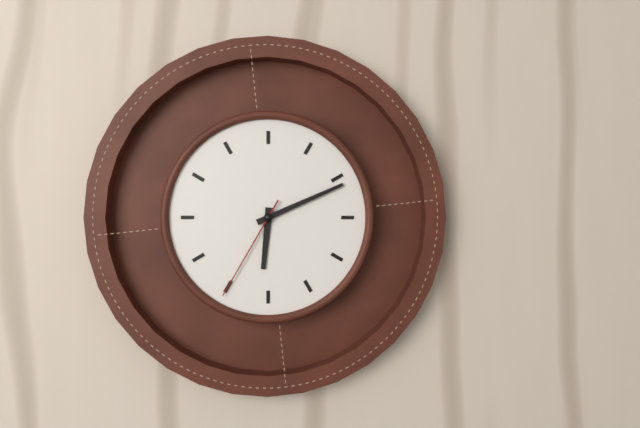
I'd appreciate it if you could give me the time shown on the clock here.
6:11:35
